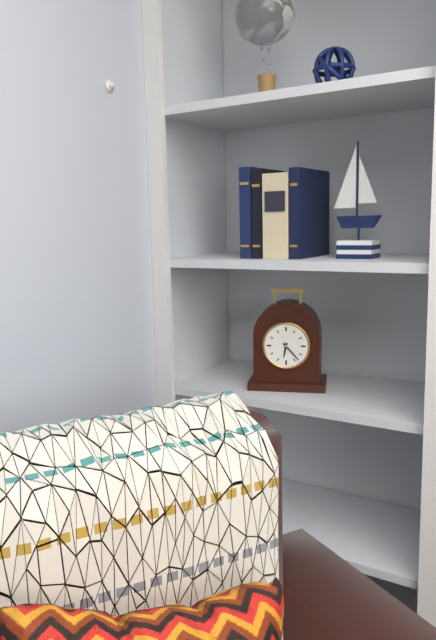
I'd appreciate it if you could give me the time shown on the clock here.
6:23
